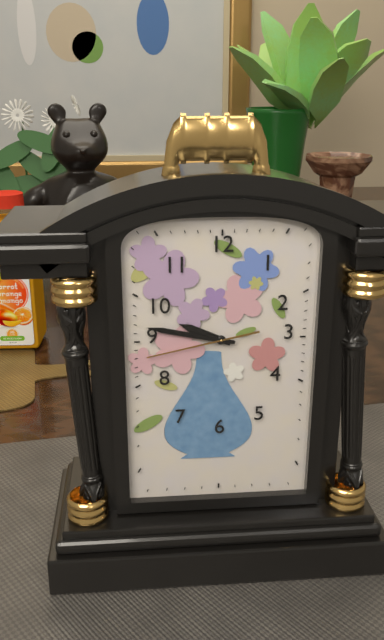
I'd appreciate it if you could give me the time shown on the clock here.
9:47:43
